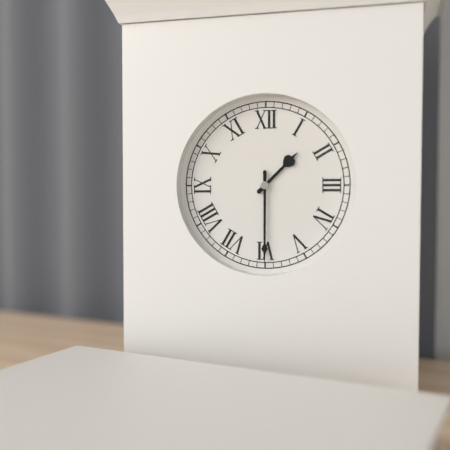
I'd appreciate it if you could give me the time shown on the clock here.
1:30
